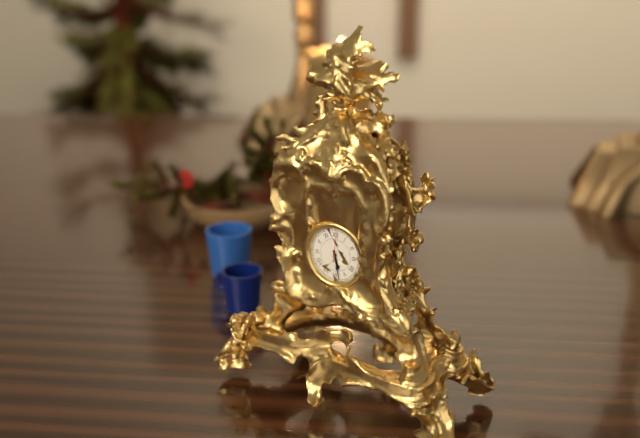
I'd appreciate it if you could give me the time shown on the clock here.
5:28
